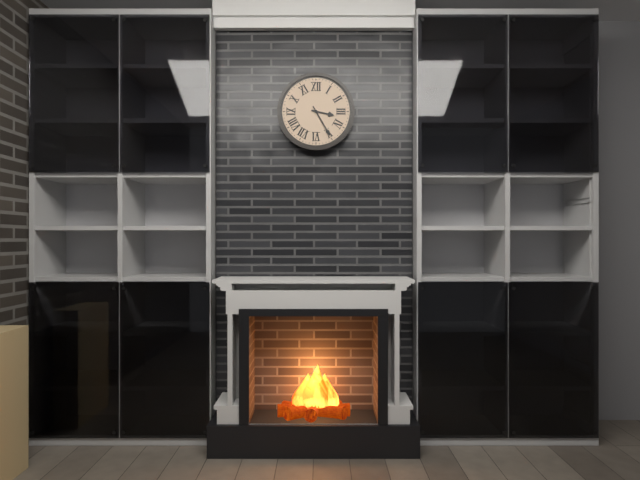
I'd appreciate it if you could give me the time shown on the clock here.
3:25
